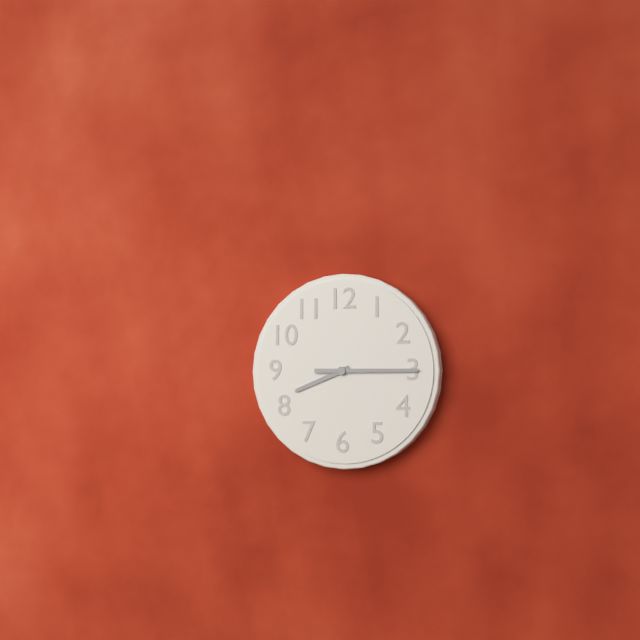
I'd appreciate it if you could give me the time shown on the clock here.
8:15
